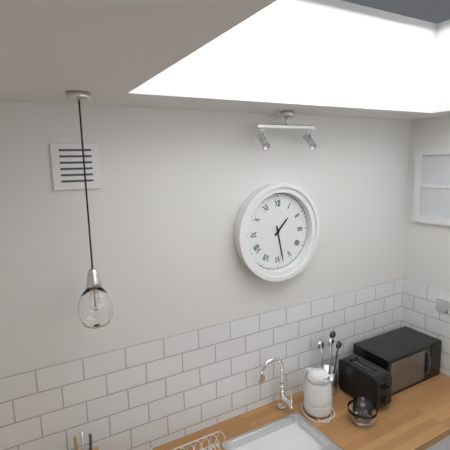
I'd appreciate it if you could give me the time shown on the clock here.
1:28
